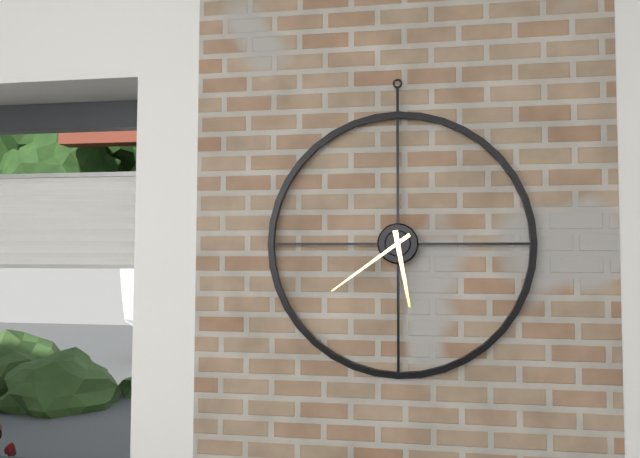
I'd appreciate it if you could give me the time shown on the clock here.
5:39
